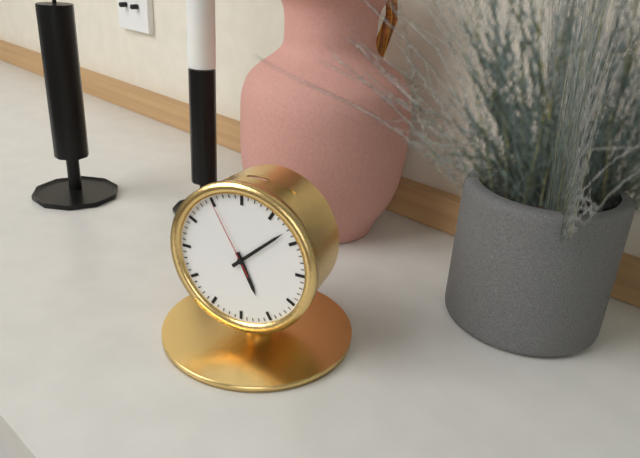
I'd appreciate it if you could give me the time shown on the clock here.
5:08:55
